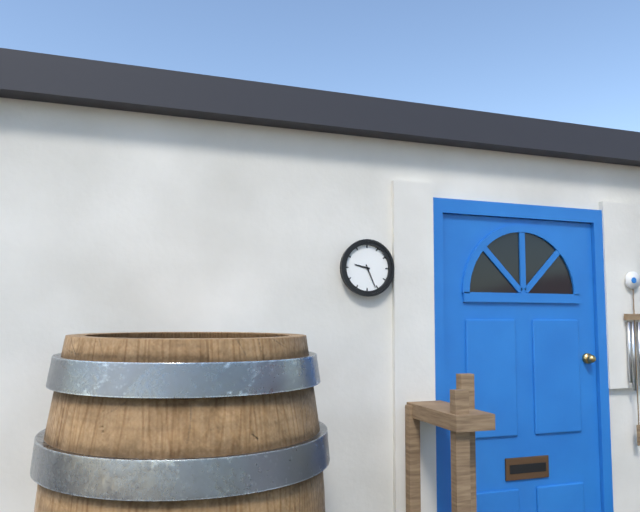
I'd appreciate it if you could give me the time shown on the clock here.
9:26
